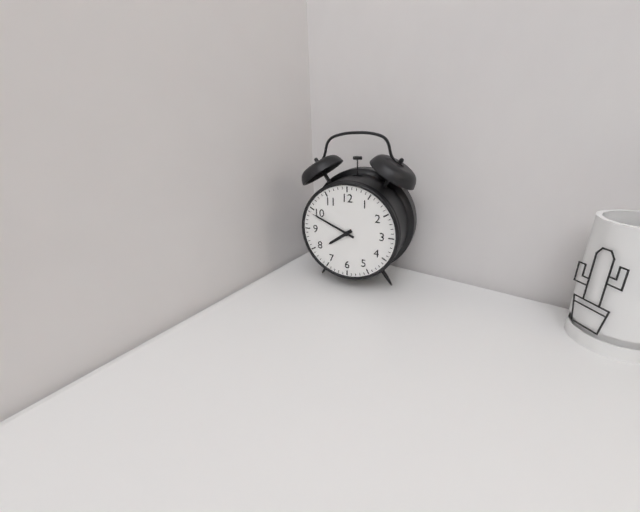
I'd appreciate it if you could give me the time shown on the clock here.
7:49
